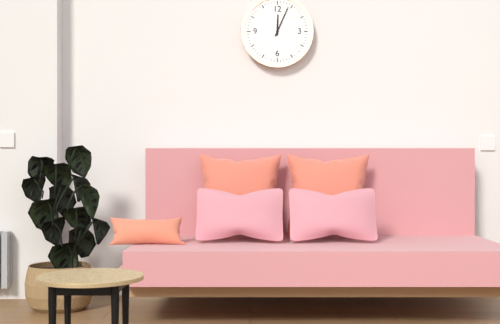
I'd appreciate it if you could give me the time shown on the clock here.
12:04
